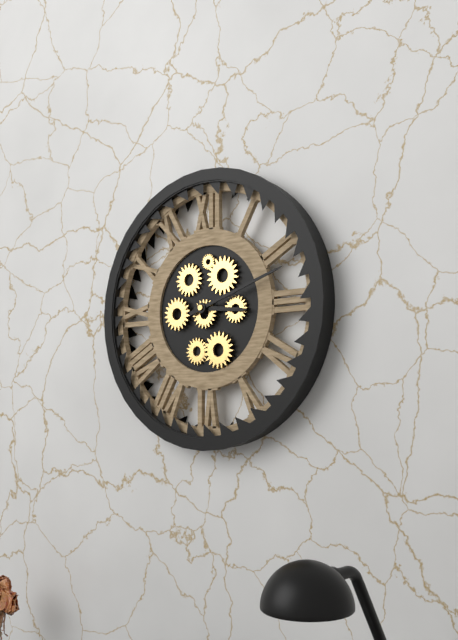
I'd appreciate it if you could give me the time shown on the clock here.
3:12
